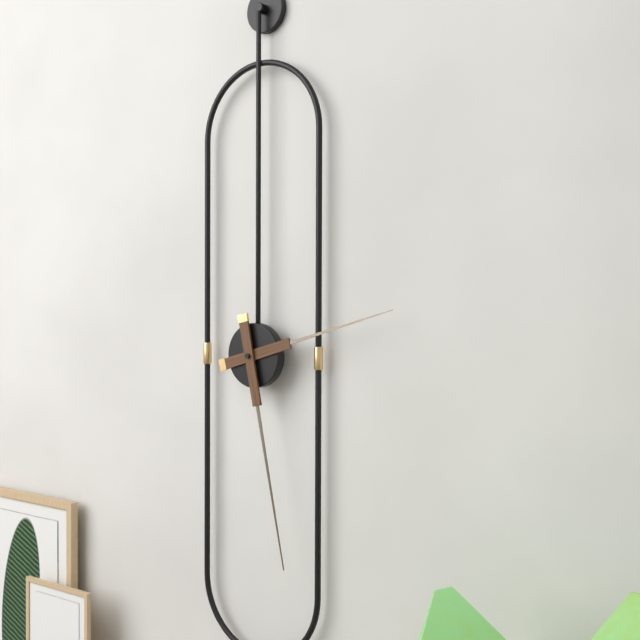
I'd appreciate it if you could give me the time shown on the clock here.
2:28
